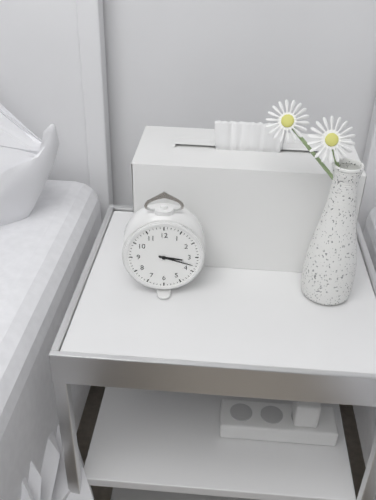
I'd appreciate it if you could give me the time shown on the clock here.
3:18
